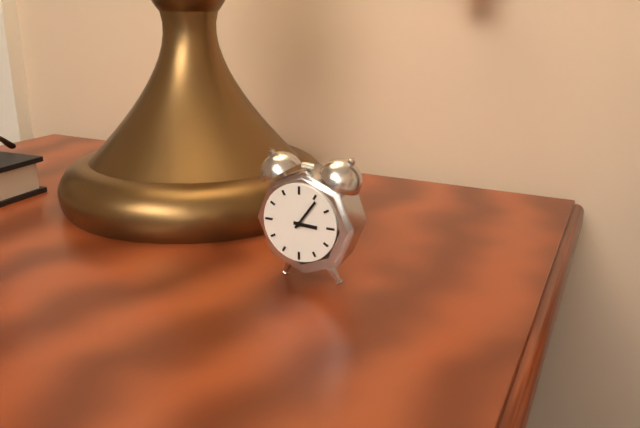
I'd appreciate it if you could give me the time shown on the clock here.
3:06
